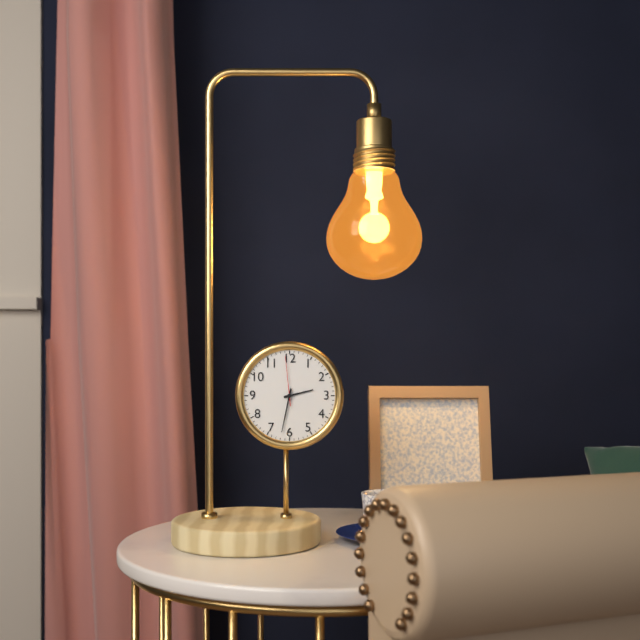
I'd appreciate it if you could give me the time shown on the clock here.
2:32:59
